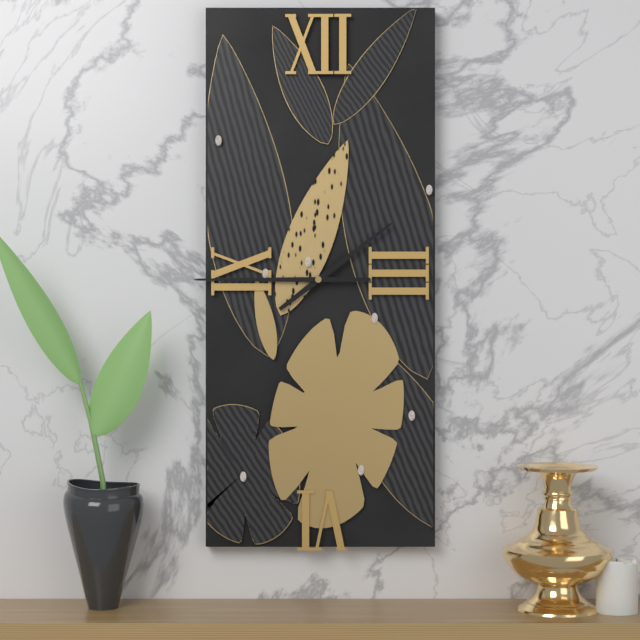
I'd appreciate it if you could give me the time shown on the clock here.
1:45
